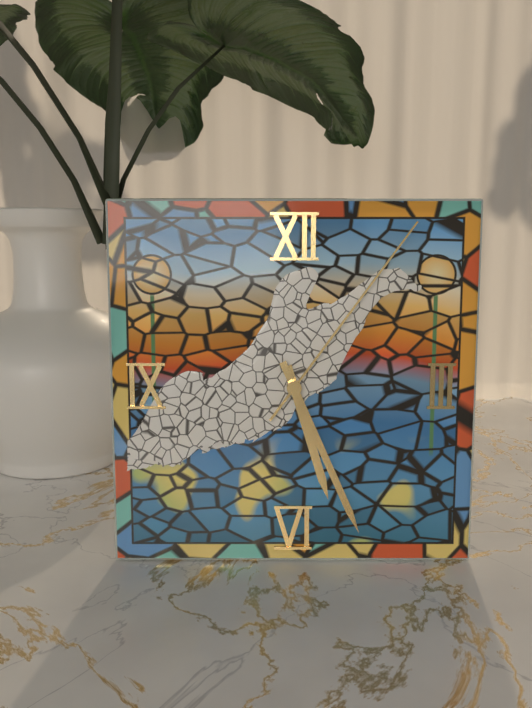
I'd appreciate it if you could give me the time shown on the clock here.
5:26:06
